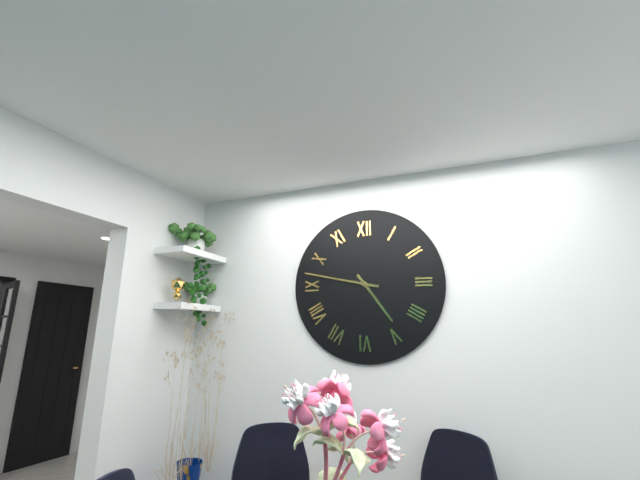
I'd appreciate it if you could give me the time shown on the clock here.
4:47
